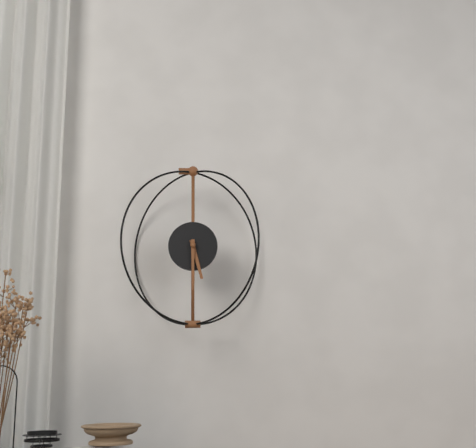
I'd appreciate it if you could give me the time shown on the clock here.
5:30
